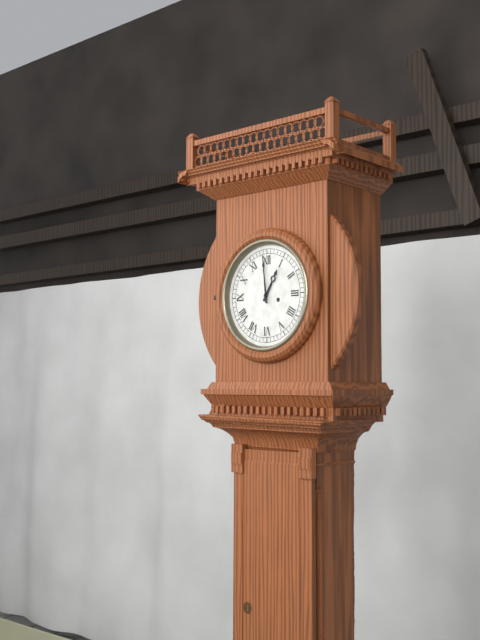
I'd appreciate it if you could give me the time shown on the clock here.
12:59
